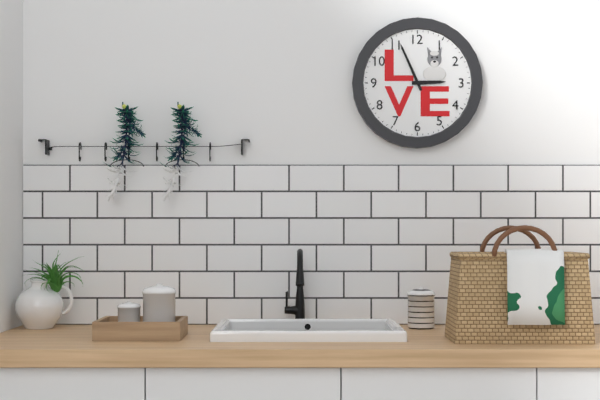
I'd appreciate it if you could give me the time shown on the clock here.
2:56
